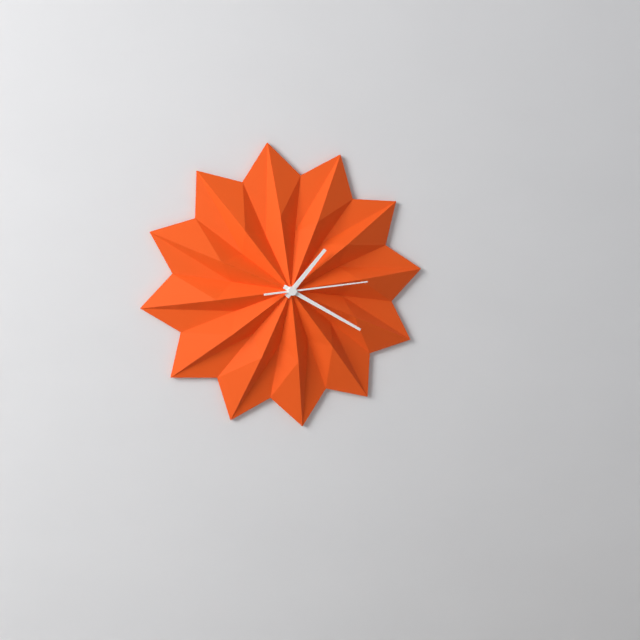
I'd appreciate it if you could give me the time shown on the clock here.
1:20:14
